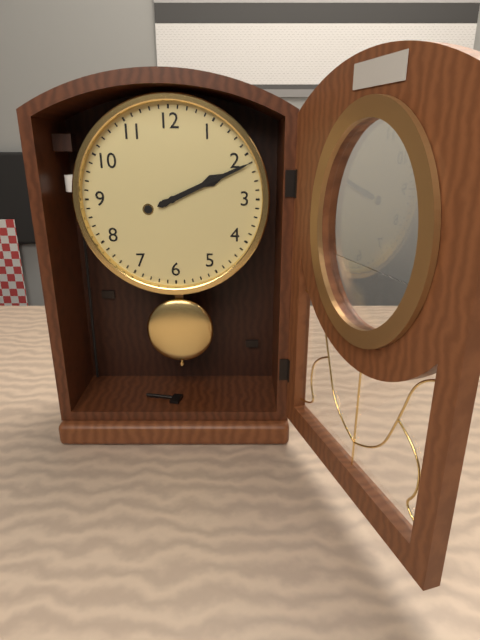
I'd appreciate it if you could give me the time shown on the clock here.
2:11
